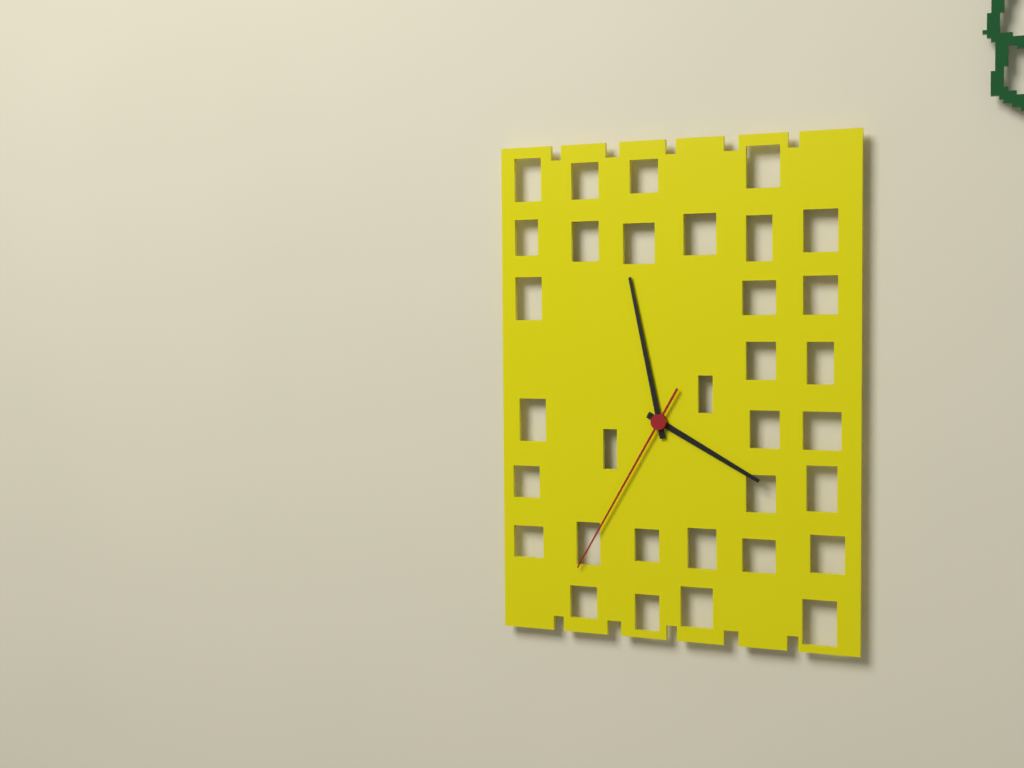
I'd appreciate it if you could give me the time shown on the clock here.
3:58:35
